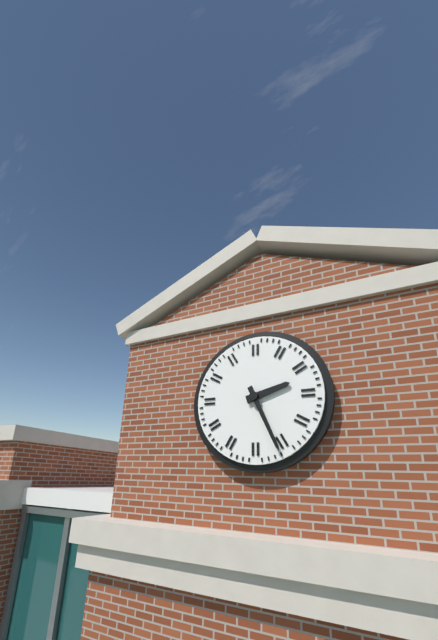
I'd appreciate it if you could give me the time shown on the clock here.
2:26
